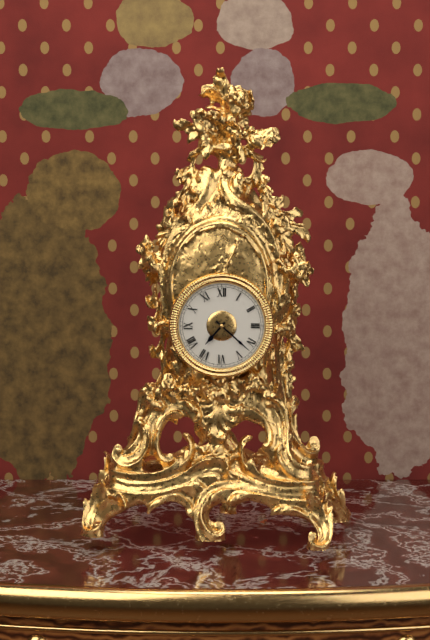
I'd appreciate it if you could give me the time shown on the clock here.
7:22
